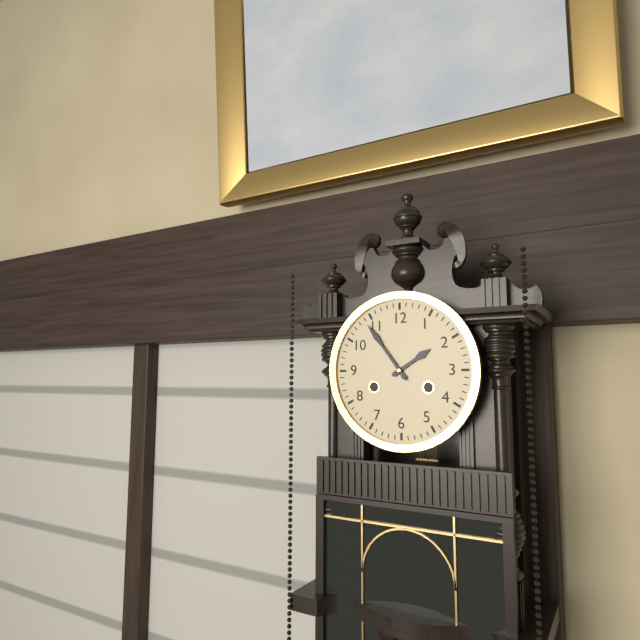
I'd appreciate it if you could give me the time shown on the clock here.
1:54
